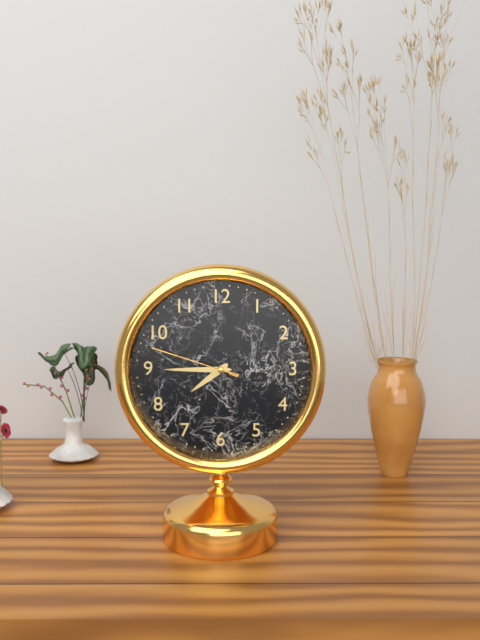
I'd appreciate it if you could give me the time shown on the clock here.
7:45:48
